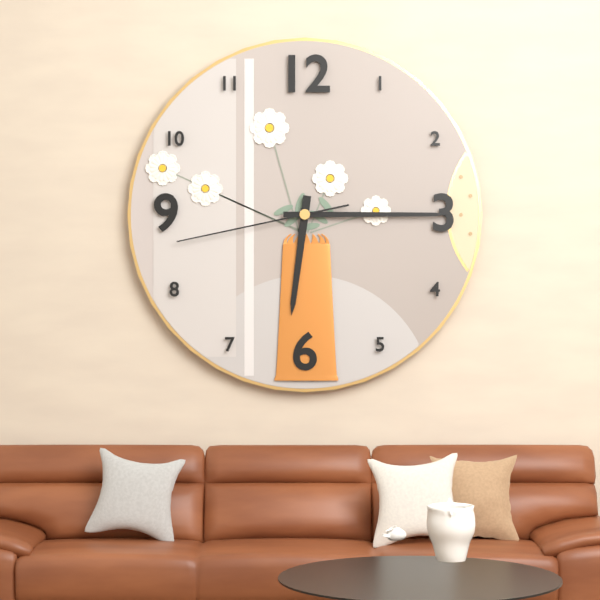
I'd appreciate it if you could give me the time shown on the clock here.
6:15:43
